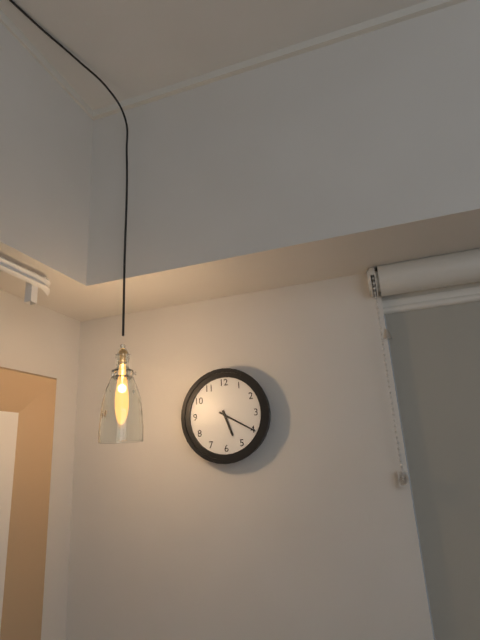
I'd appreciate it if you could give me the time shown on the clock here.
5:20
